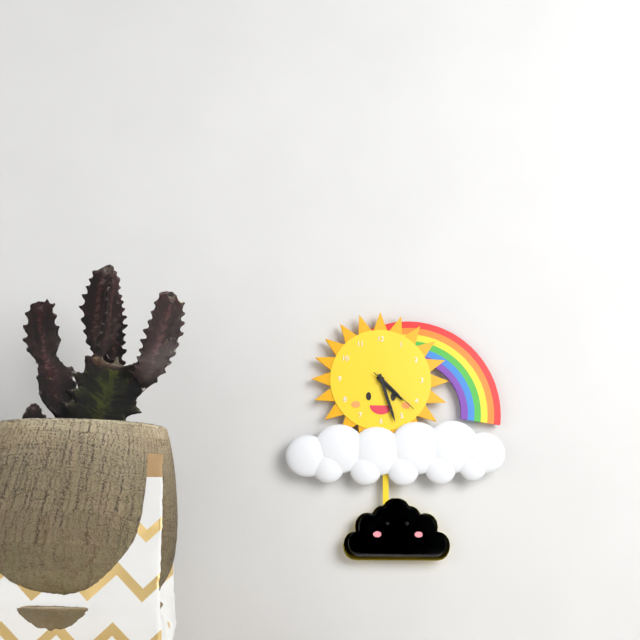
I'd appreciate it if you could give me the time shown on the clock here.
4:27:22
